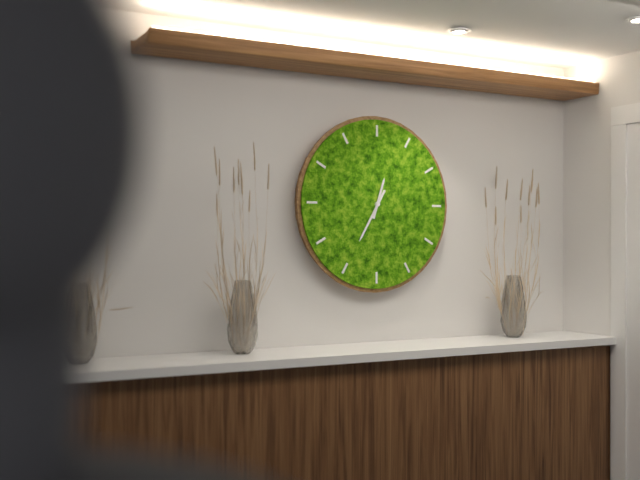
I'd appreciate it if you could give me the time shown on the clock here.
12:35
